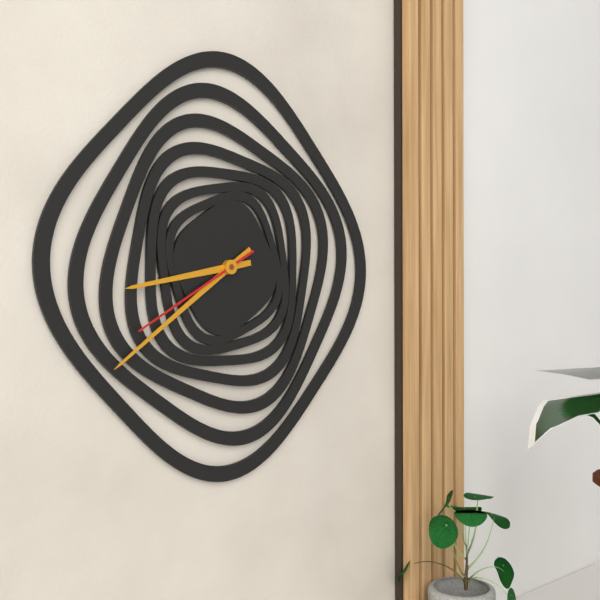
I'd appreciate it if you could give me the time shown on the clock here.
8:39:40
